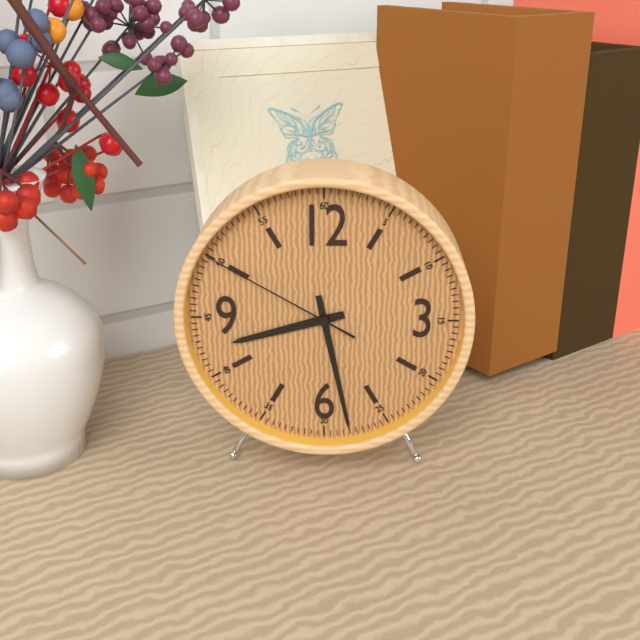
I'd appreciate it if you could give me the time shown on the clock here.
8:28:50
